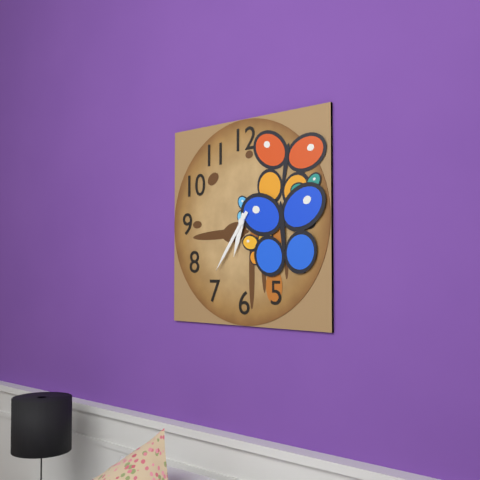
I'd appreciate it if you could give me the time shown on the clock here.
6:36
